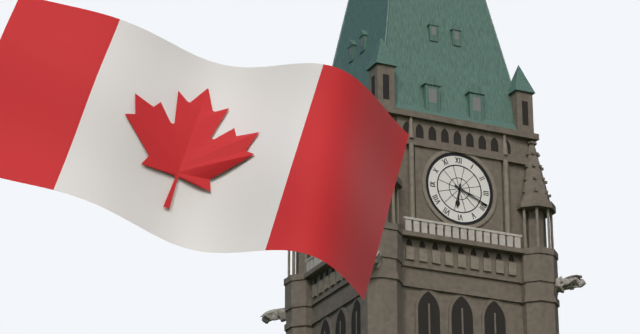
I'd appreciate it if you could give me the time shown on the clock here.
6:19
